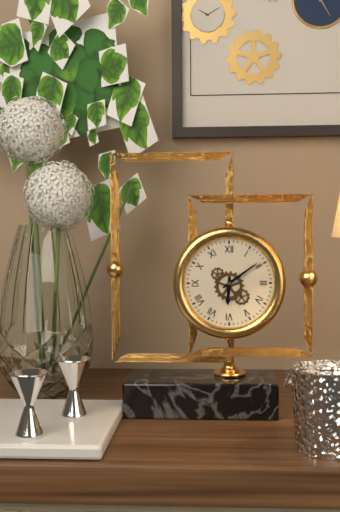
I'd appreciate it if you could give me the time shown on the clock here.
6:09
